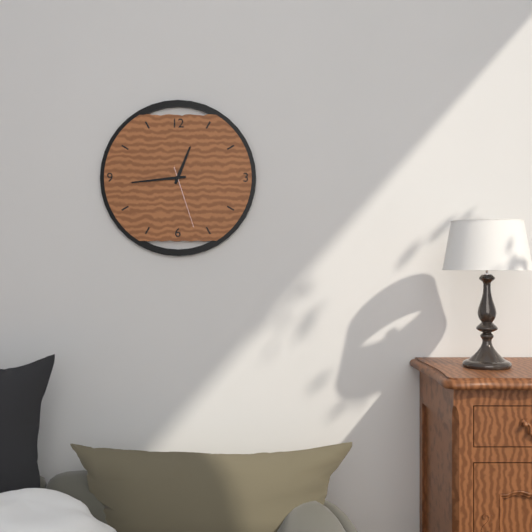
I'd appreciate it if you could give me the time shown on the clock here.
12:44:27
